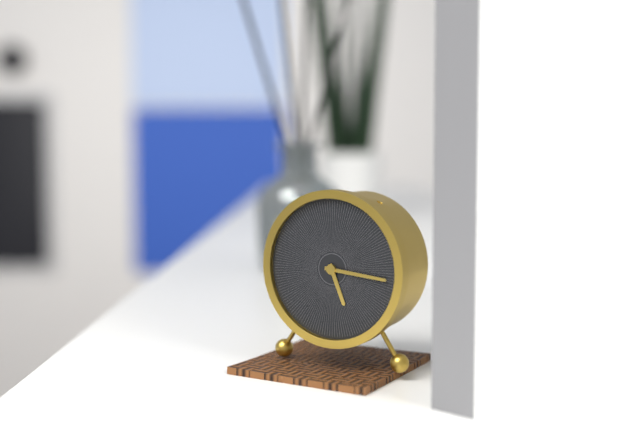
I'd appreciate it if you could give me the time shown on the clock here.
5:16
